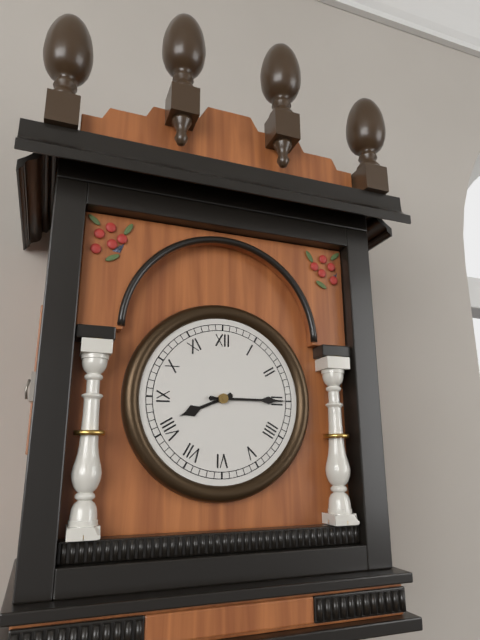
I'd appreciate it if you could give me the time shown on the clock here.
8:15
